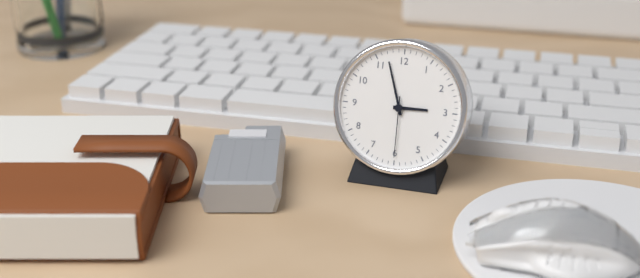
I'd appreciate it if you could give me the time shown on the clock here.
2:57:30
